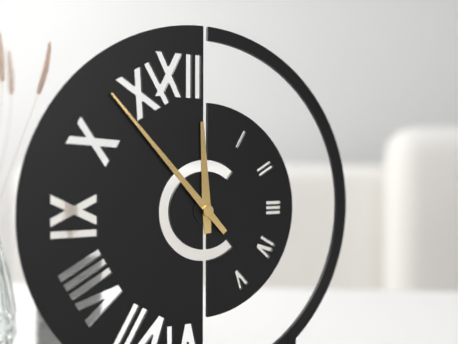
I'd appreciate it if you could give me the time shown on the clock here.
11:53
